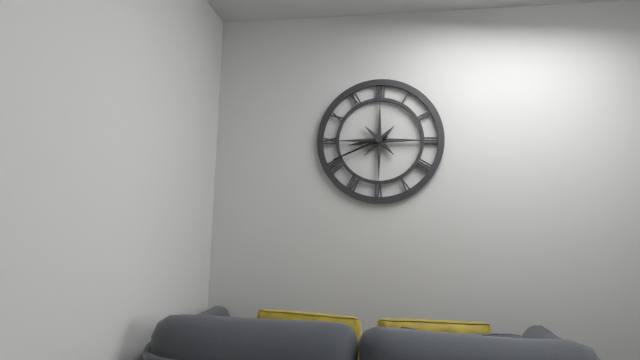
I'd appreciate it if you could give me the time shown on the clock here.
8:41
